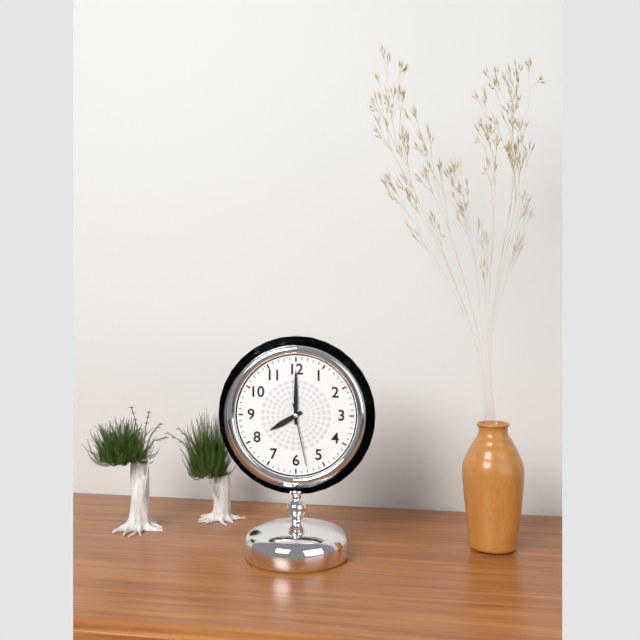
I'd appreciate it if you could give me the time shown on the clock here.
8:00:28
